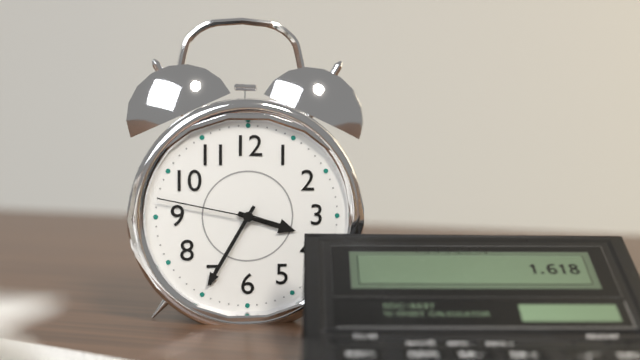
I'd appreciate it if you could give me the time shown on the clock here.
3:35:47
